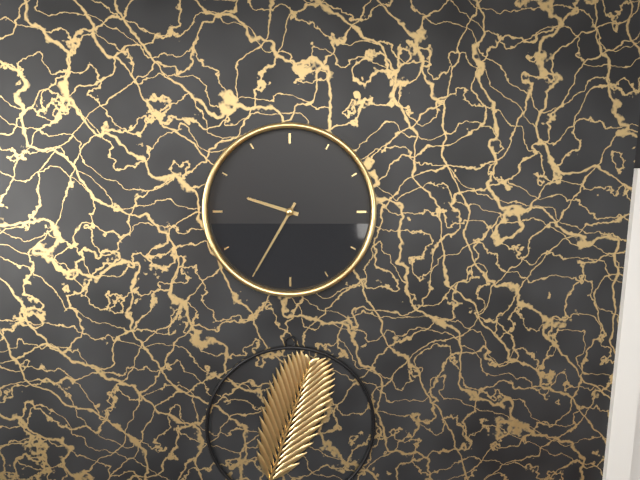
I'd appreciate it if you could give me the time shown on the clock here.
9:35
